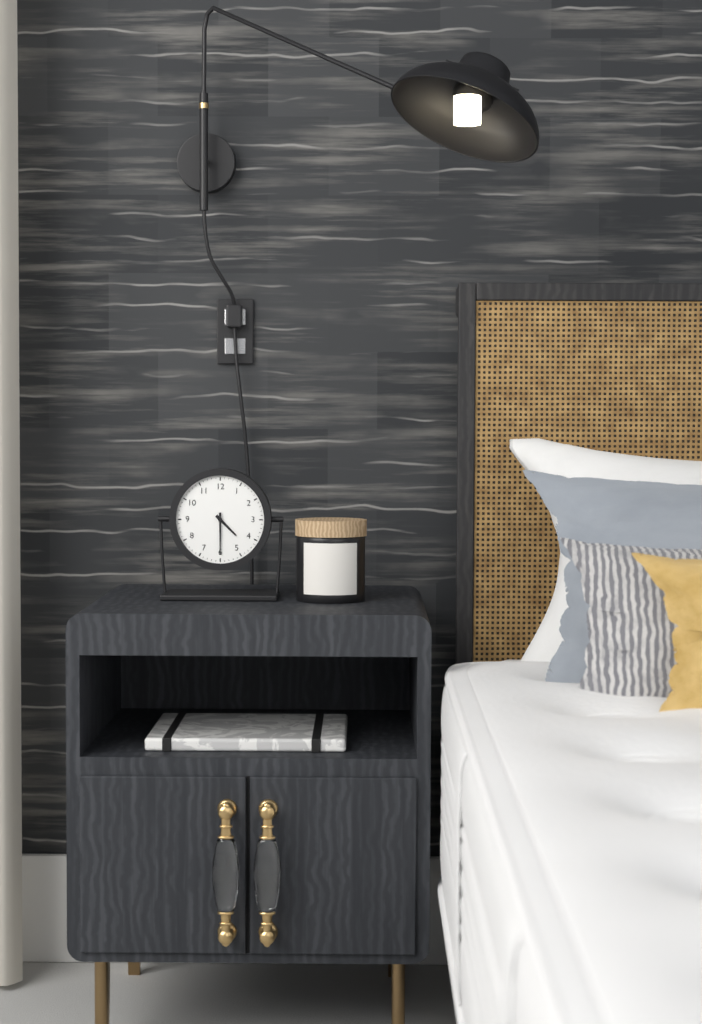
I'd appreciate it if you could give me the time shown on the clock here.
4:30
